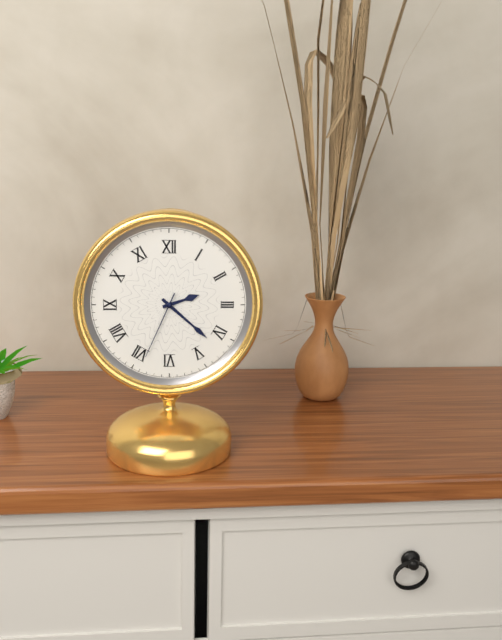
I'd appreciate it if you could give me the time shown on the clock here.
2:22:34
